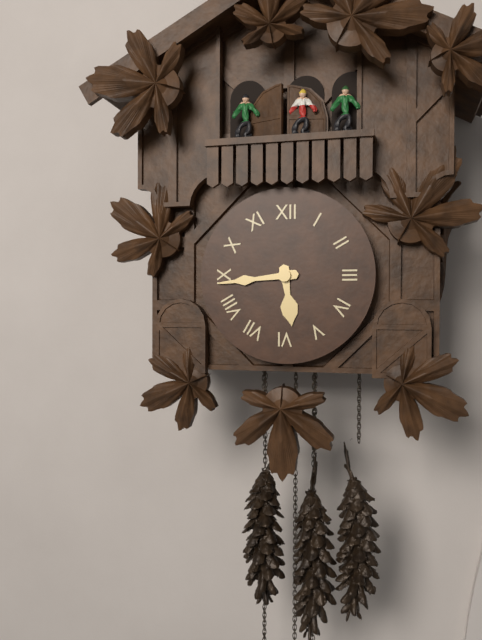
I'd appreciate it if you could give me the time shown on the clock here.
5:44
